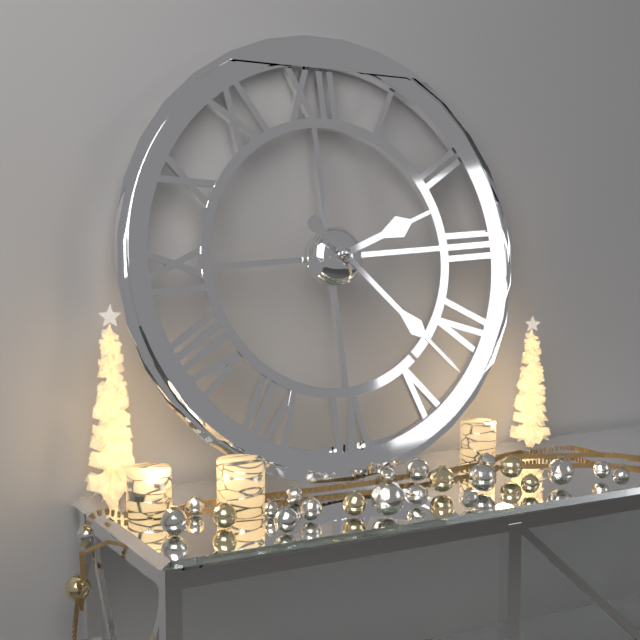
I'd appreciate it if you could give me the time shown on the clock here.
2:23
